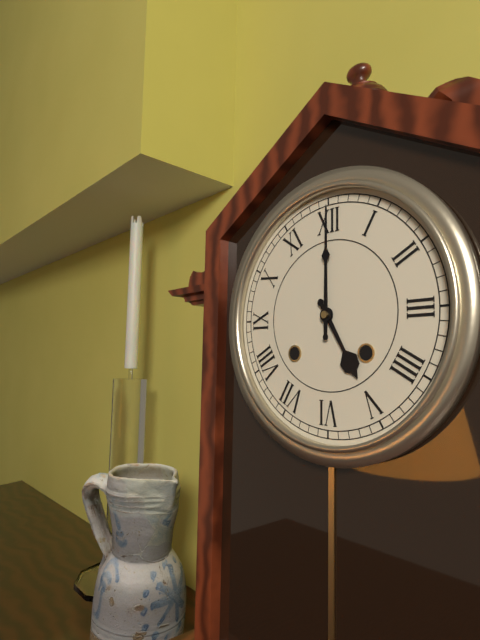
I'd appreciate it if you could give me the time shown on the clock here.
5:00
